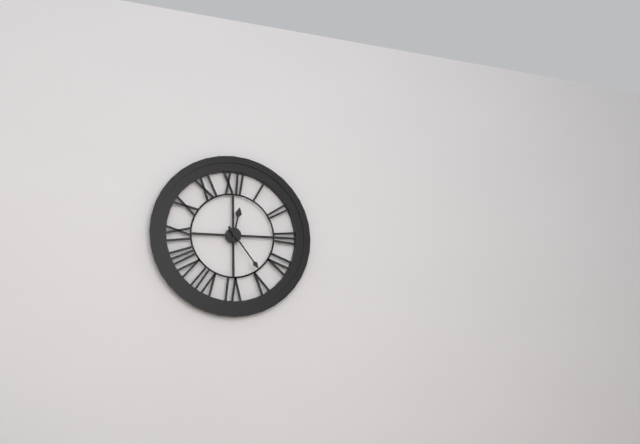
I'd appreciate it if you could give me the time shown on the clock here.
12:24
